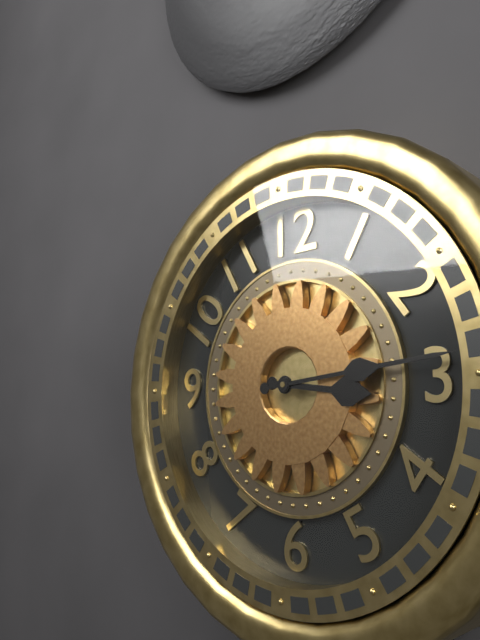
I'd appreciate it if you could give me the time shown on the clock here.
3:14
